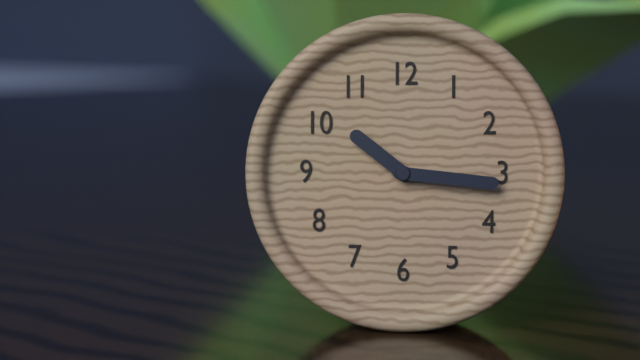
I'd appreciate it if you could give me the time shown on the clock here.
10:16
